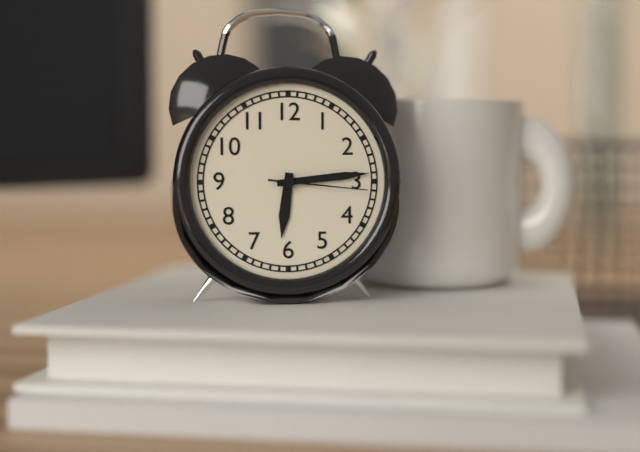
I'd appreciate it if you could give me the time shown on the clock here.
6:14:16
